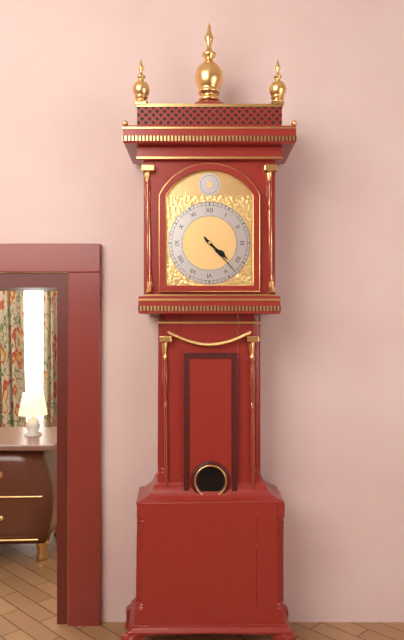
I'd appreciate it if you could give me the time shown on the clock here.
4:23
